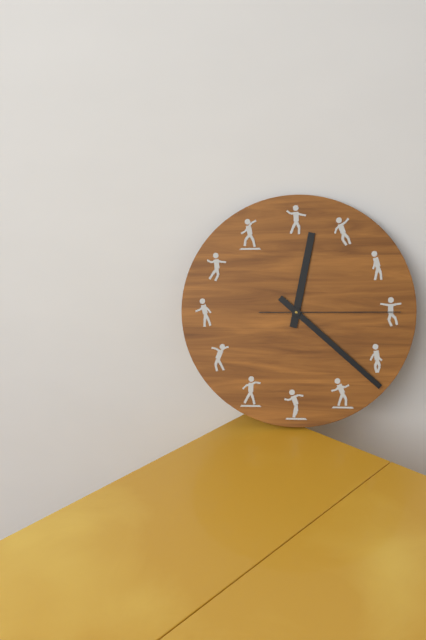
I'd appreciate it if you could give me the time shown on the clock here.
12:22:15
